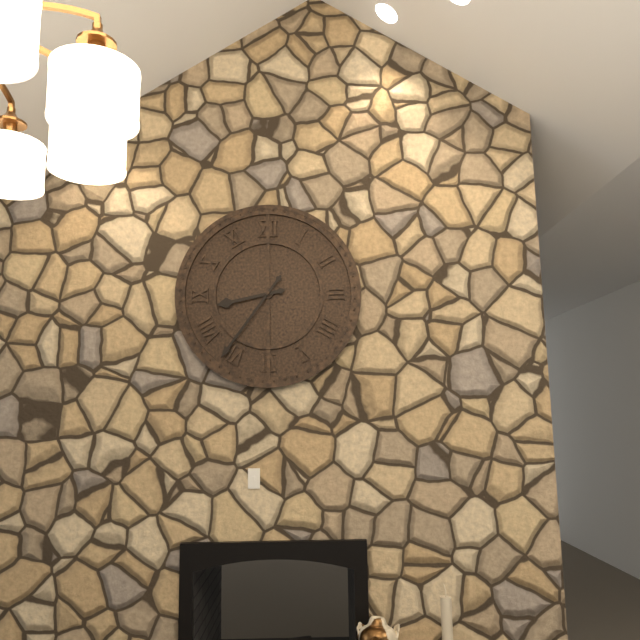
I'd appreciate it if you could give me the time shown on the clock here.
8:36
